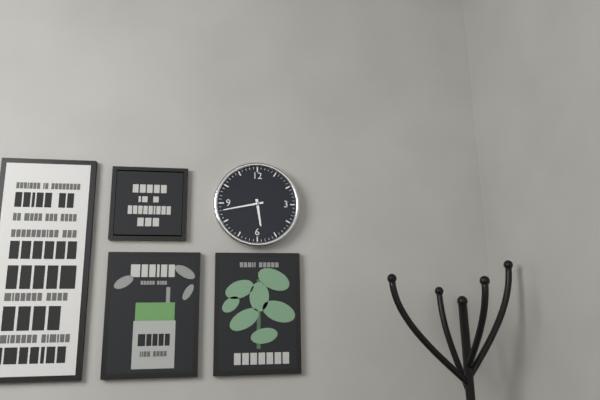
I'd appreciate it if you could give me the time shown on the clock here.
5:43
